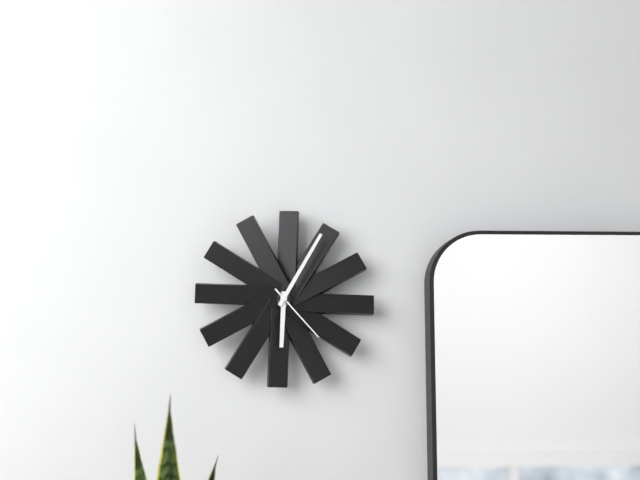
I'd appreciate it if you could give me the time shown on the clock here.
6:05:23
